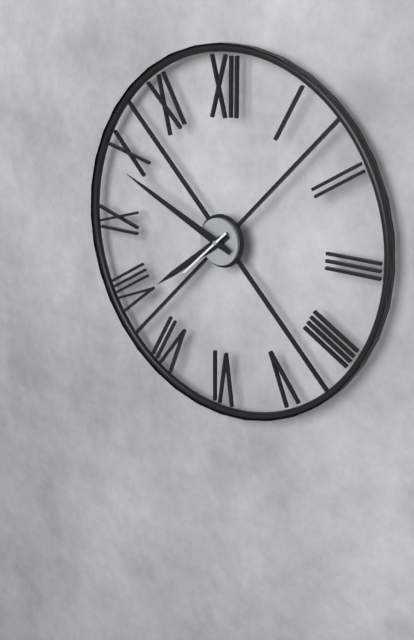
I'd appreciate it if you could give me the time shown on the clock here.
7:49:38
